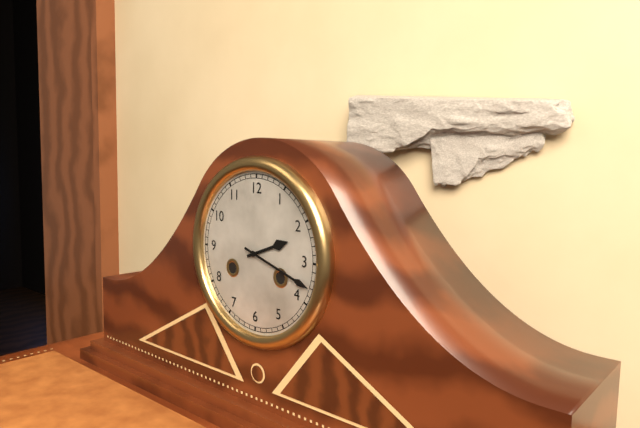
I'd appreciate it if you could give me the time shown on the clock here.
2:18
